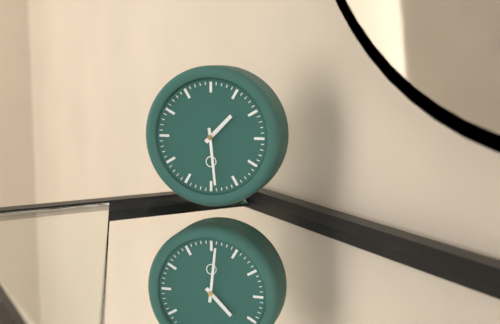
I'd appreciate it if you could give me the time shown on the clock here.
1:29
